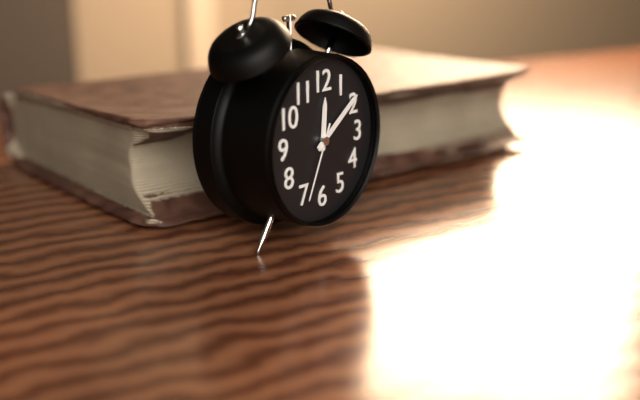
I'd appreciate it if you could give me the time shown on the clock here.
12:09:34
